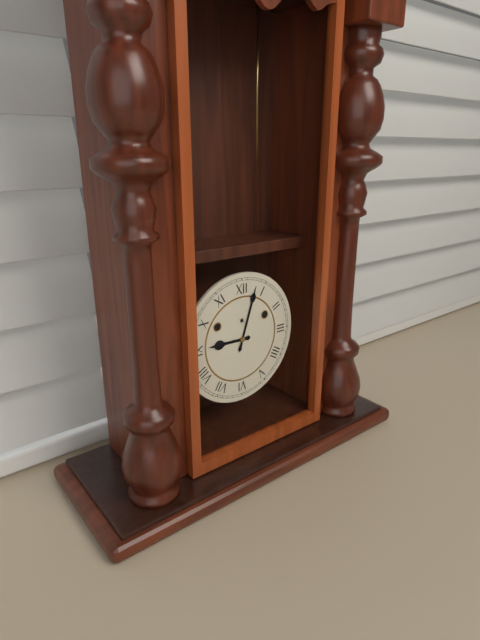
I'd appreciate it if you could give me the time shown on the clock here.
9:03
